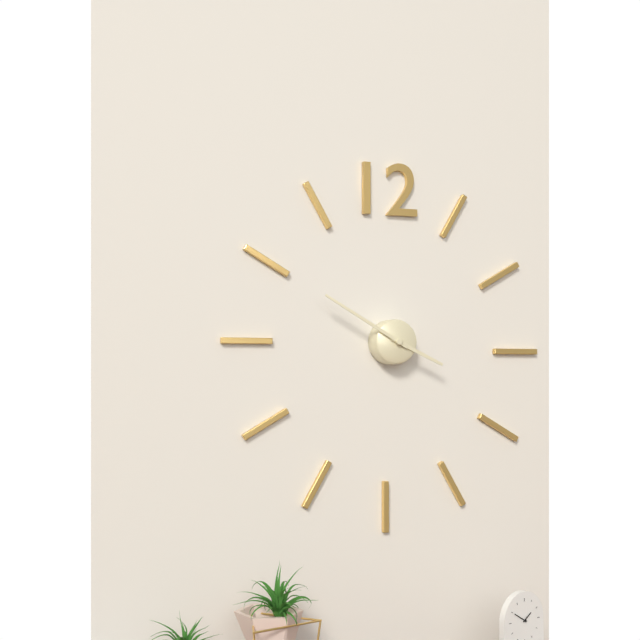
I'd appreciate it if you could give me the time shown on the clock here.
3:50
